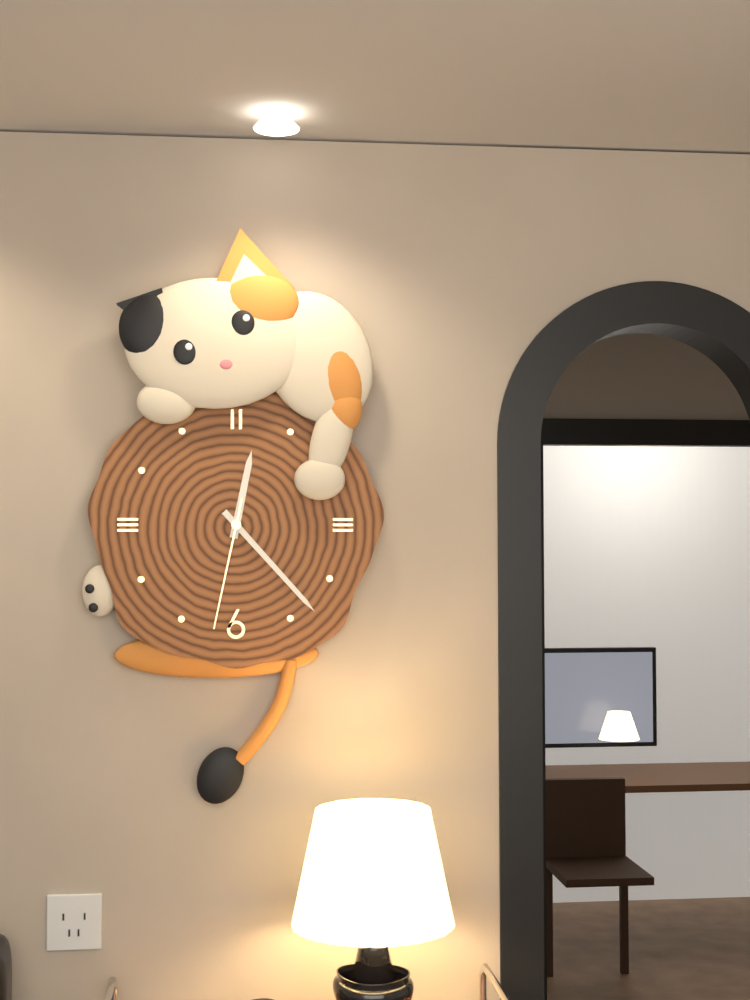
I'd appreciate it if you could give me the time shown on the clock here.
12:23:32
